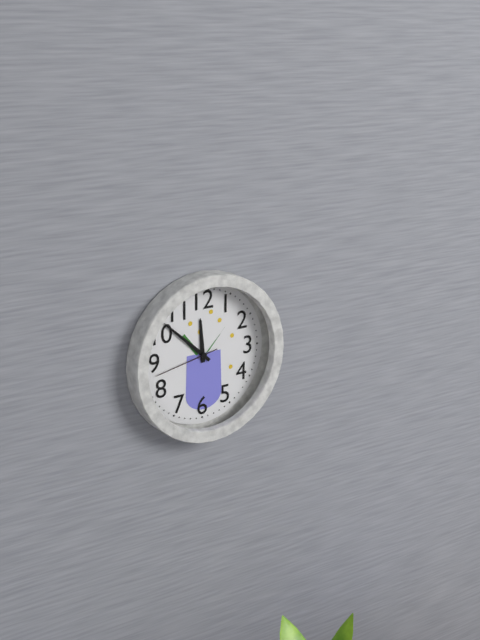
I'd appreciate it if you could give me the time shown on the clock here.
11:52:43
